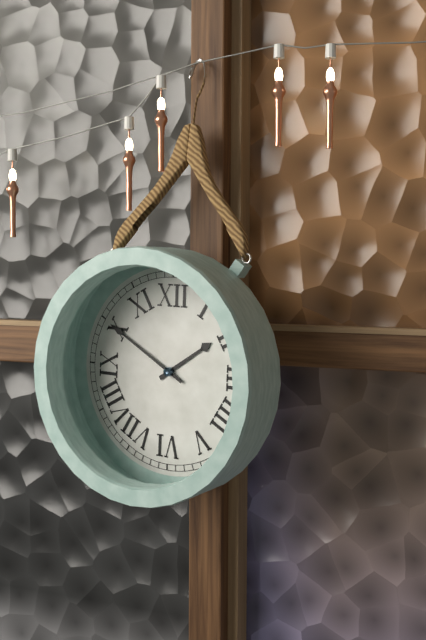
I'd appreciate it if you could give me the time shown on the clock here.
1:50
